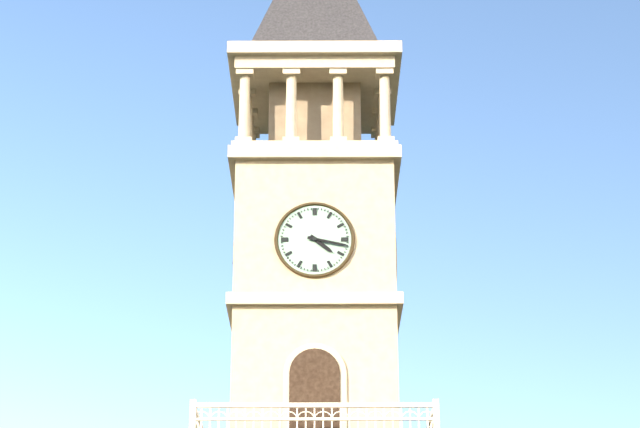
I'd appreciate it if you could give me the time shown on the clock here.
4:17
